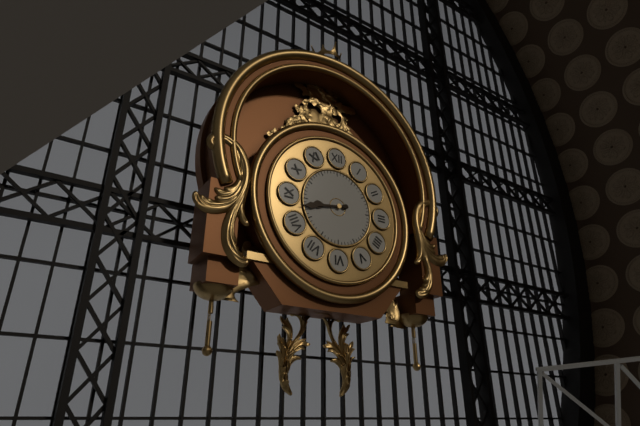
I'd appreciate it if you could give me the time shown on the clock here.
8:43
